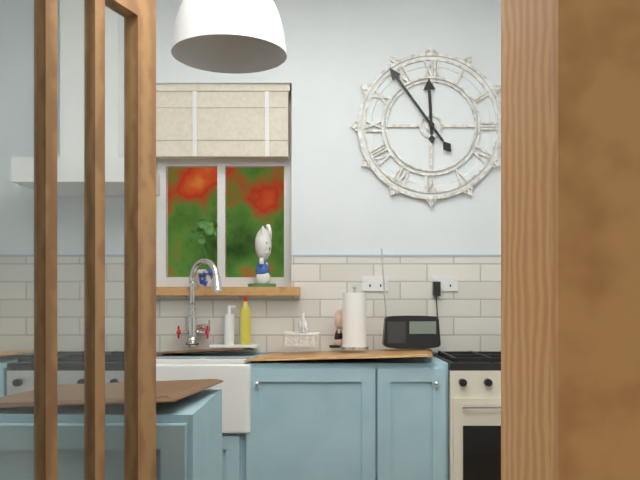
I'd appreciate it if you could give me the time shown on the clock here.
11:54
